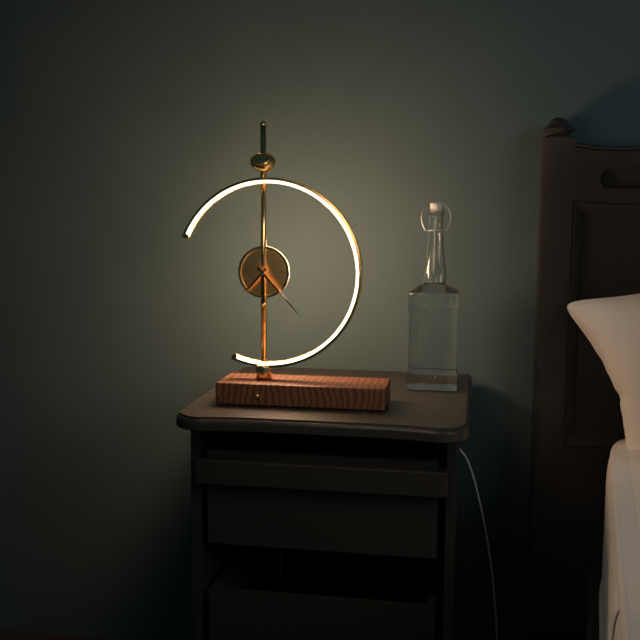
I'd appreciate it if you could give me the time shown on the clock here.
7:23
